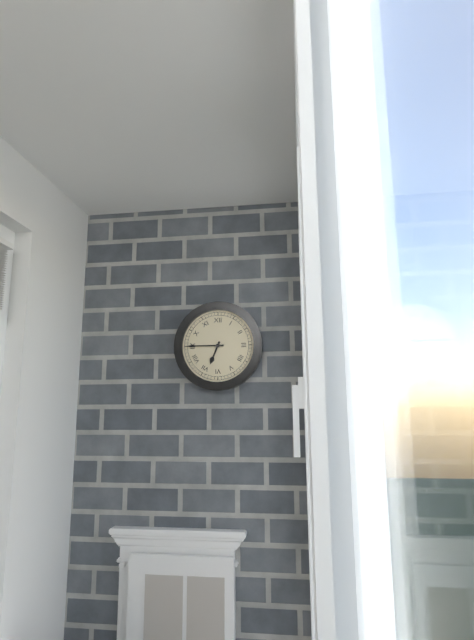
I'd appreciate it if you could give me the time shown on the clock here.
6:45
